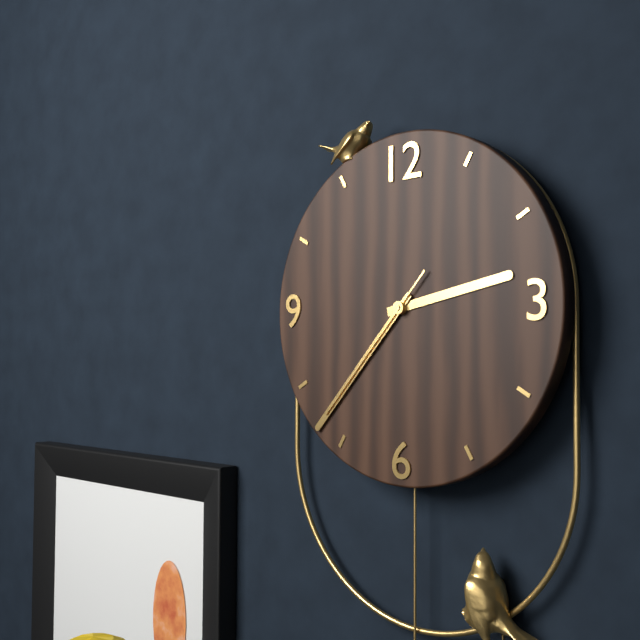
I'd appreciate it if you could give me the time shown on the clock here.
2:37:37
